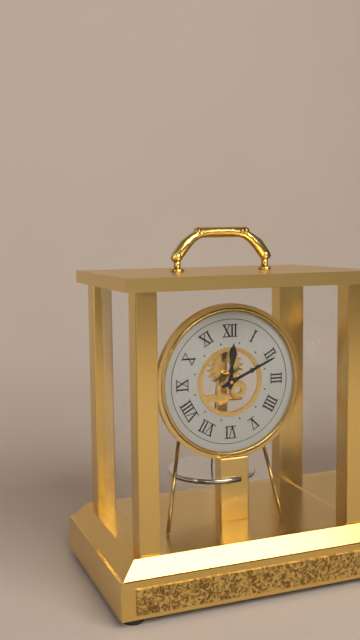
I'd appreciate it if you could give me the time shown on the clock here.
12:11
